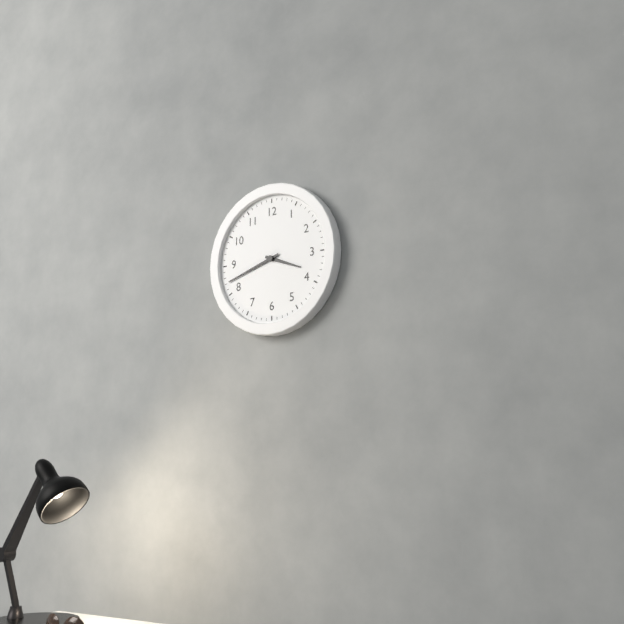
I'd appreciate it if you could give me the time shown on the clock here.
3:42
